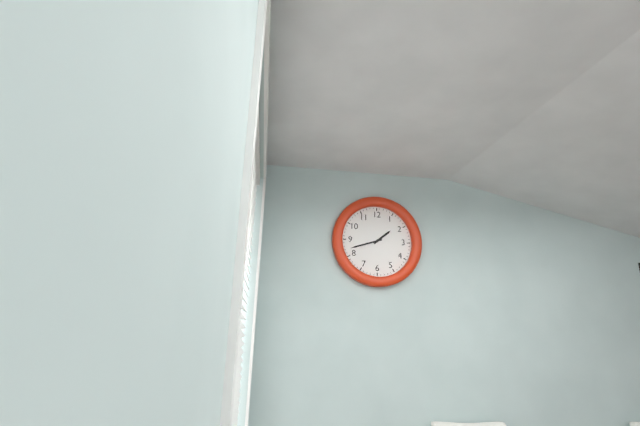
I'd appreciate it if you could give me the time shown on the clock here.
1:42
